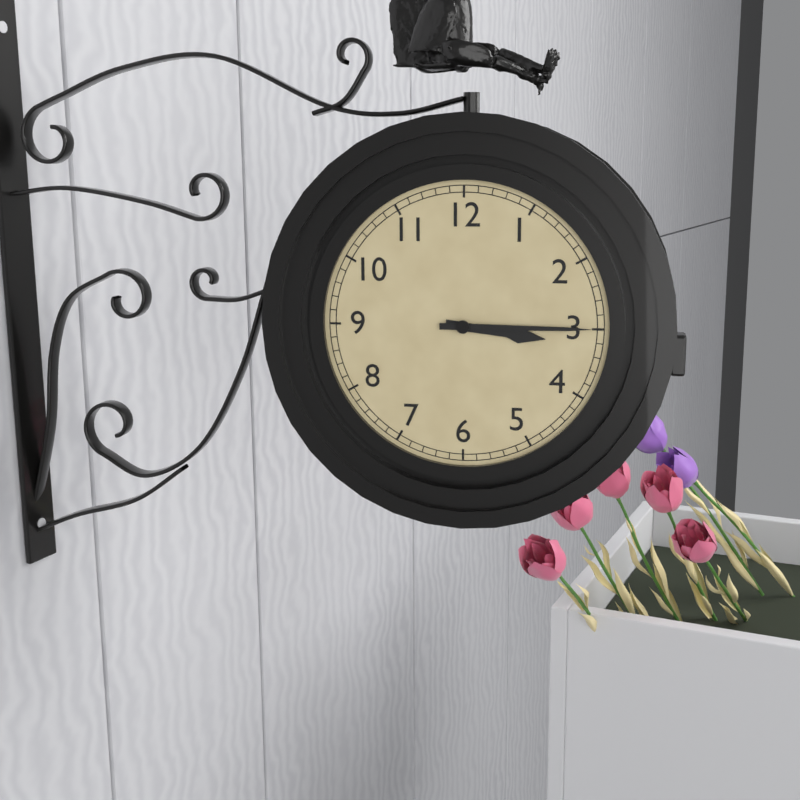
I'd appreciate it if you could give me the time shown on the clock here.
3:15
